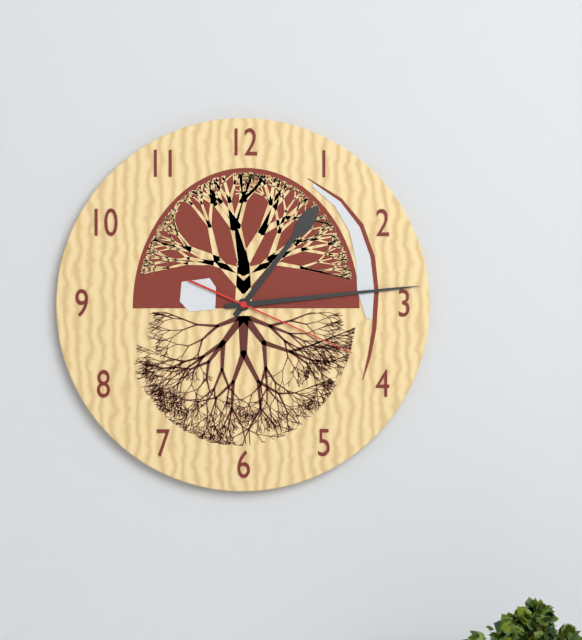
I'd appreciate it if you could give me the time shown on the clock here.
1:14:19
